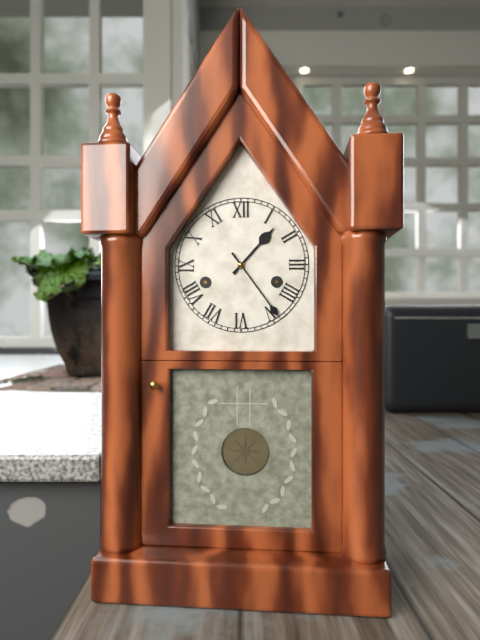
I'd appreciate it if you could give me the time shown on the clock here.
1:24
